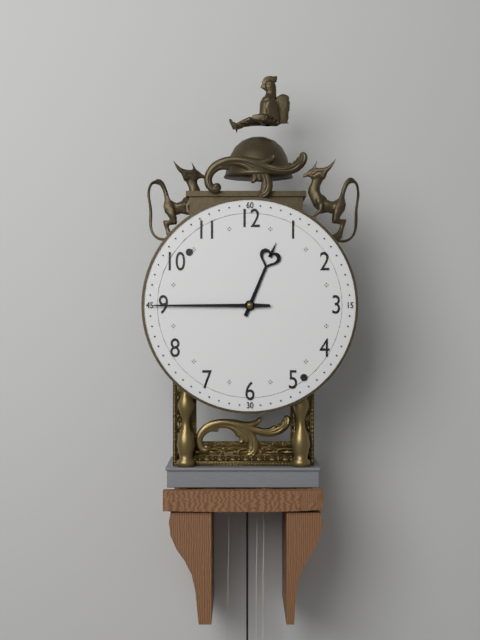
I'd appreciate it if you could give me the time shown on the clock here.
12:45
